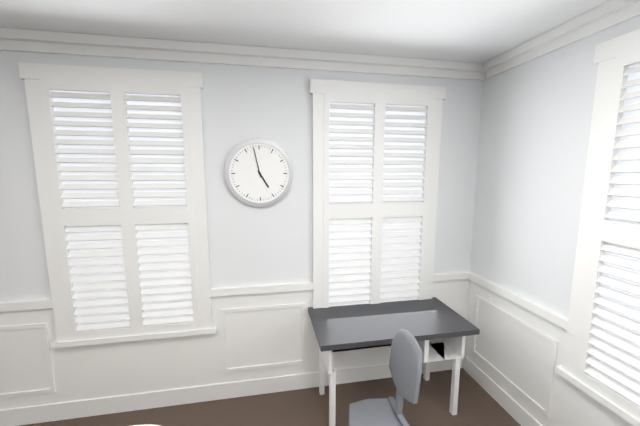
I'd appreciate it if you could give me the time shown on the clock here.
4:58
